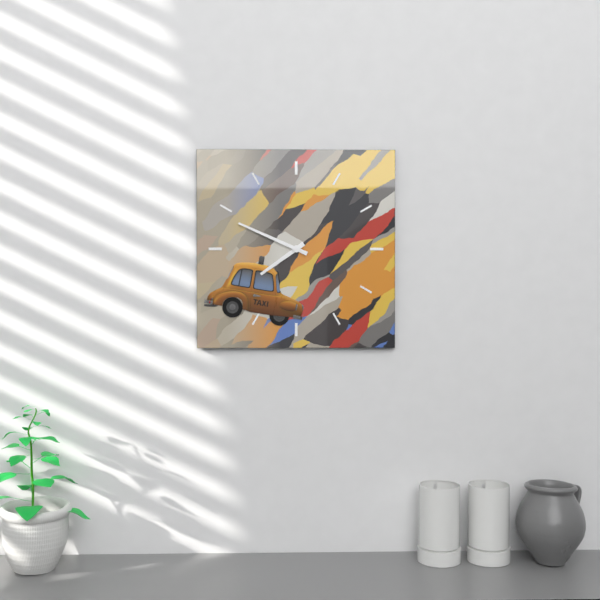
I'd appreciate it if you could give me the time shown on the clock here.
7:49
